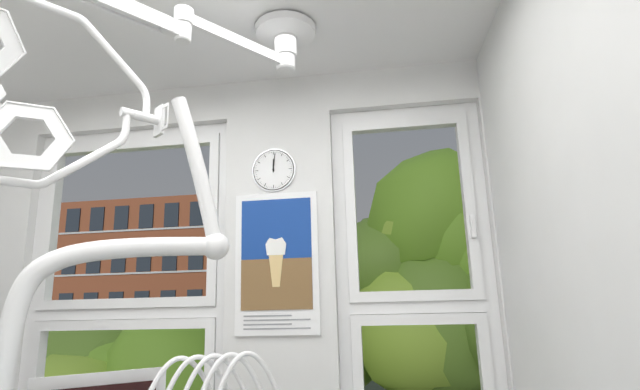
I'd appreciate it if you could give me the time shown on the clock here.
12:01
